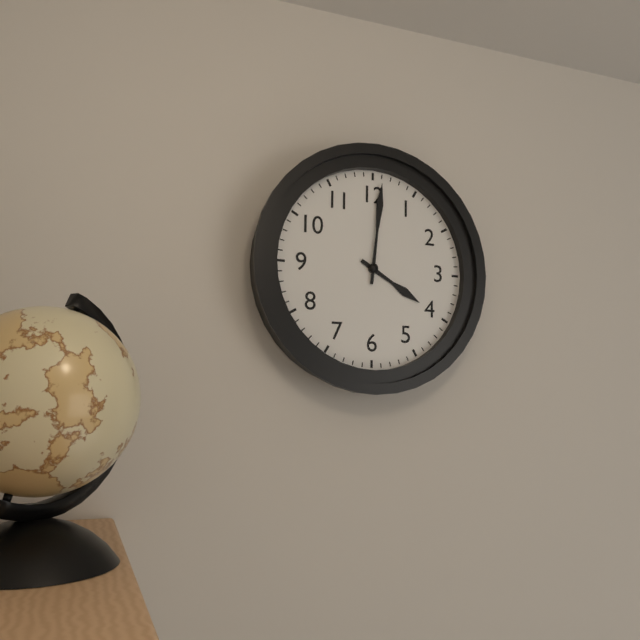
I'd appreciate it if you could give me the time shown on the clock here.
4:01
